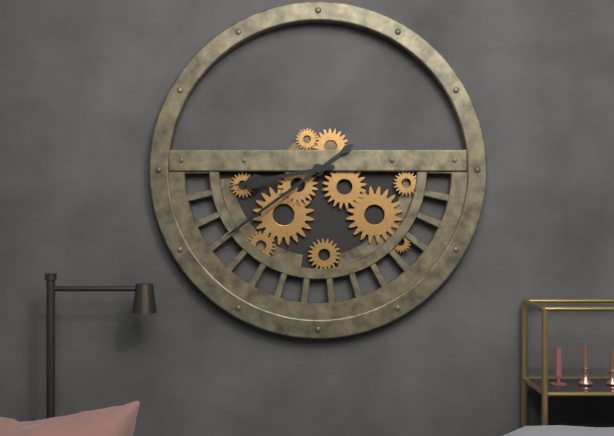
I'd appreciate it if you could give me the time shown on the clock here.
8:39
